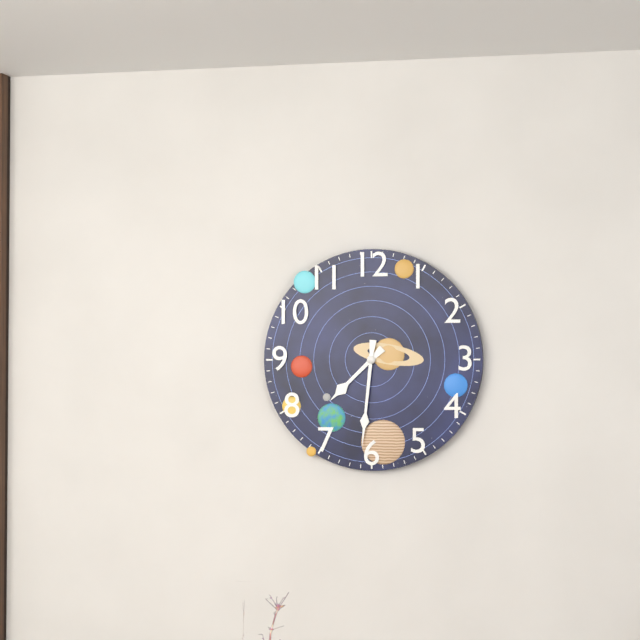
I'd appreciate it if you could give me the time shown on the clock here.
7:31
